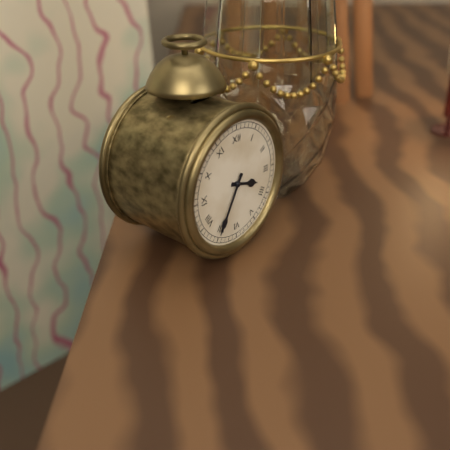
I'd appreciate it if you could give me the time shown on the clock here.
3:35
